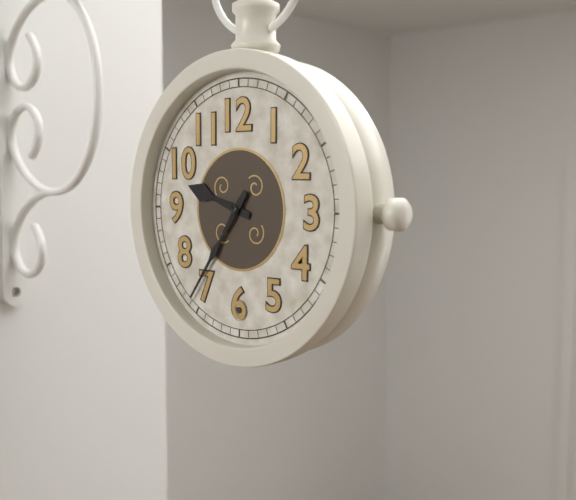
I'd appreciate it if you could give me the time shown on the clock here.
9:36
